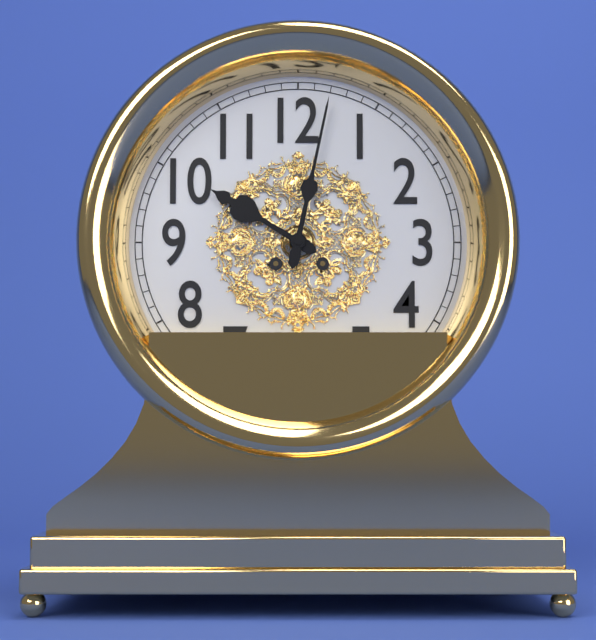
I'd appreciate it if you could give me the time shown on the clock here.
10:02
